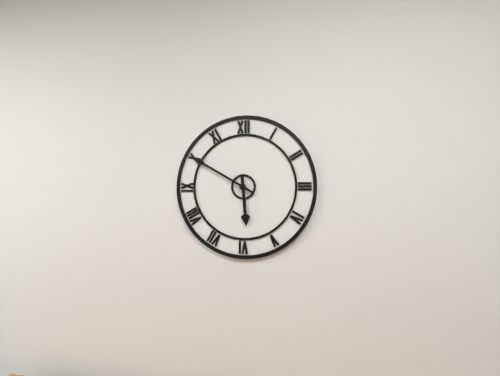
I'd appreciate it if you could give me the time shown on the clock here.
5:50
